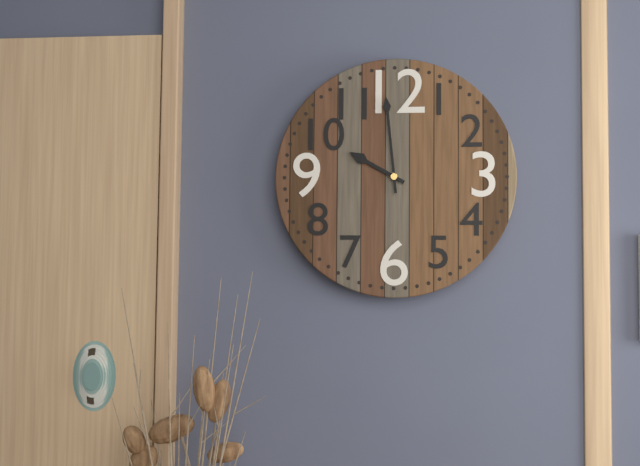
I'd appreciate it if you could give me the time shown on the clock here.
9:59
